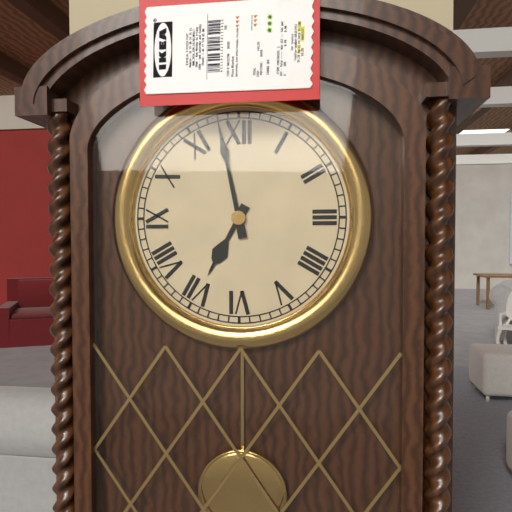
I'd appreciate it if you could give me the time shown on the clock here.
6:58
